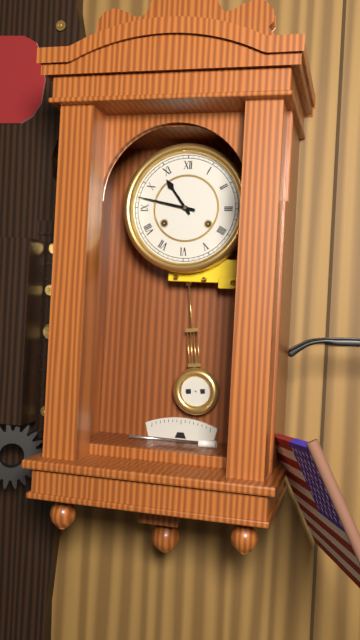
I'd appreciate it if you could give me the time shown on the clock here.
10:47
